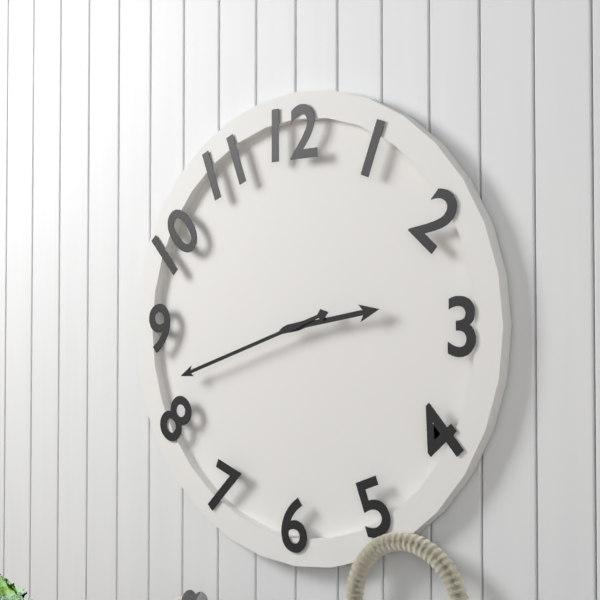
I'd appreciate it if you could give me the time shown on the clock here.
2:42
